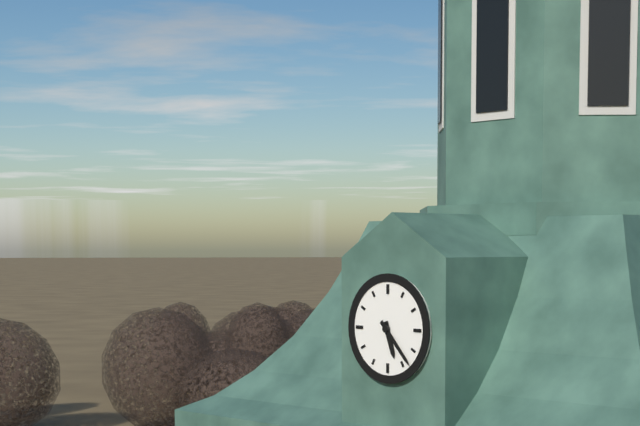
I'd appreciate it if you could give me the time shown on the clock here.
5:23
